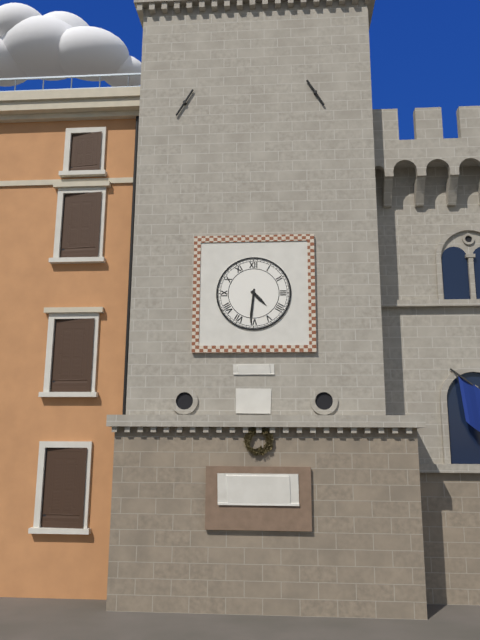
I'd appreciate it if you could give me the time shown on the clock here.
4:31
